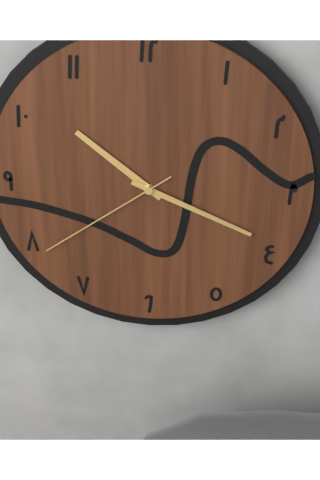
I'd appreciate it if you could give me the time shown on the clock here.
10:19:39
